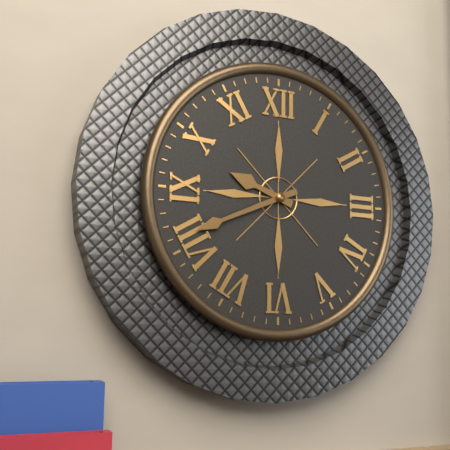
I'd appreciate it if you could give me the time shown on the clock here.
9:41
